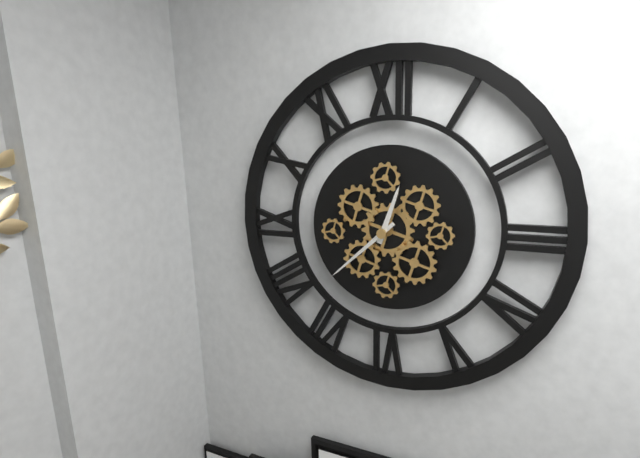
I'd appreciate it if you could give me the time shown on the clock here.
12:38
